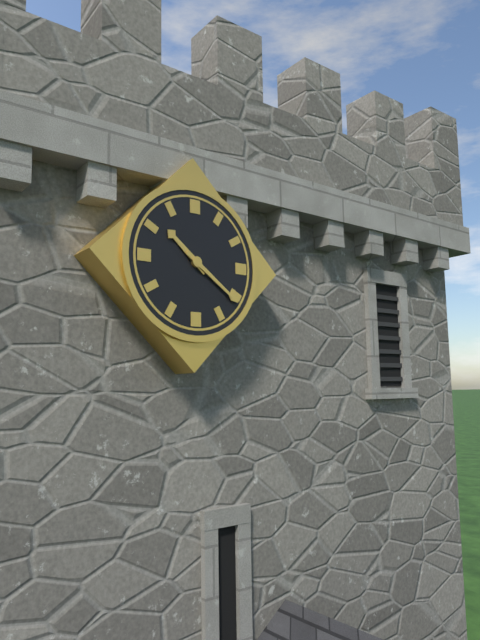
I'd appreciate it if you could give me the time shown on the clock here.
10:21
